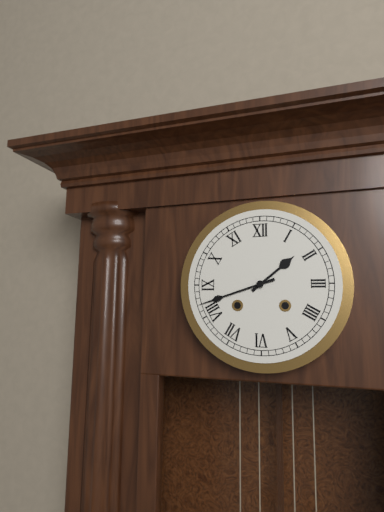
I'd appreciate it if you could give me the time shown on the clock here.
1:42
